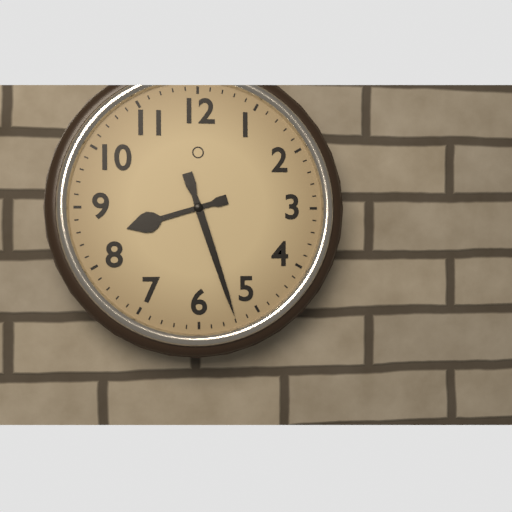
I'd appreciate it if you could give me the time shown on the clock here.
8:27
